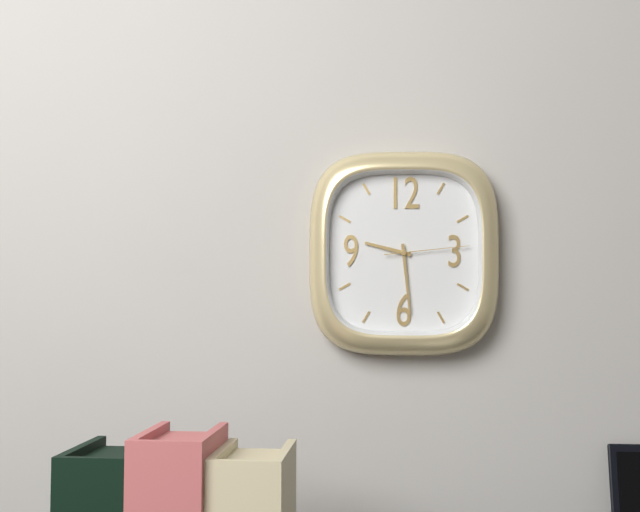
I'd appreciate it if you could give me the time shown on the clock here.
9:29:14
